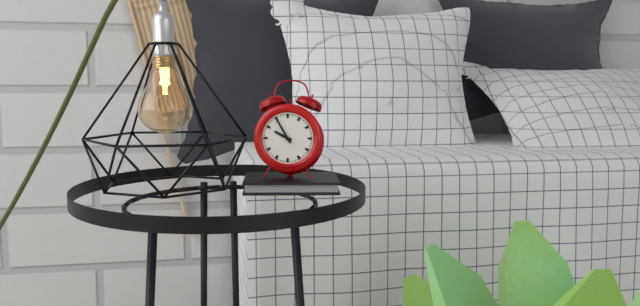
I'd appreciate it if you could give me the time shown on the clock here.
9:55
